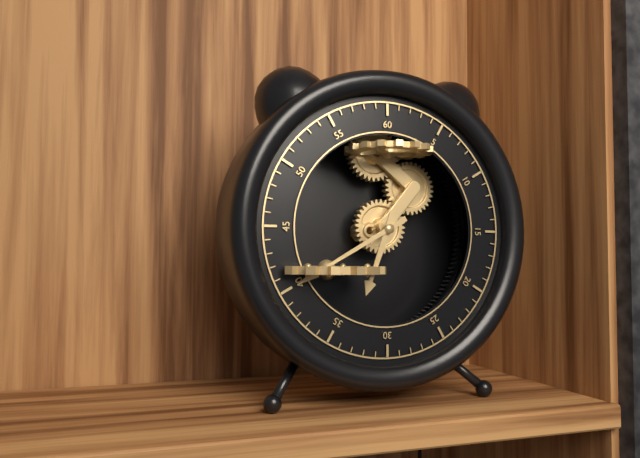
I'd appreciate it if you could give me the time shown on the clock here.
6:40
